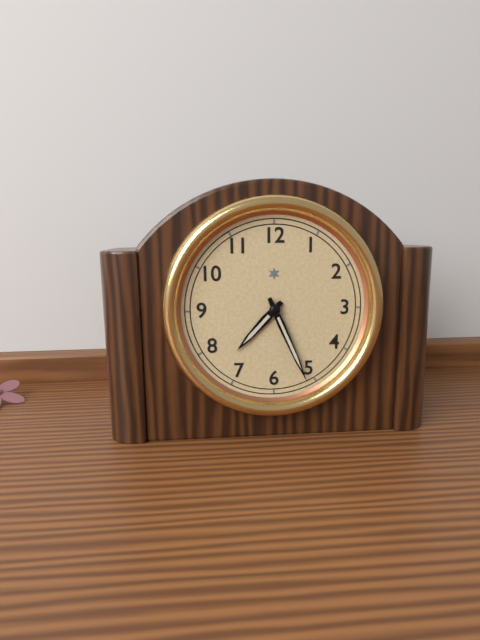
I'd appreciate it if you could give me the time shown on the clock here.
7:26
